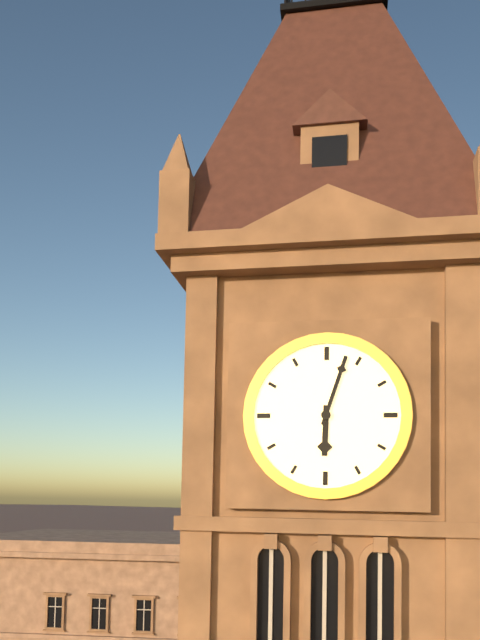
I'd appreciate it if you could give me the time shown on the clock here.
6:03
